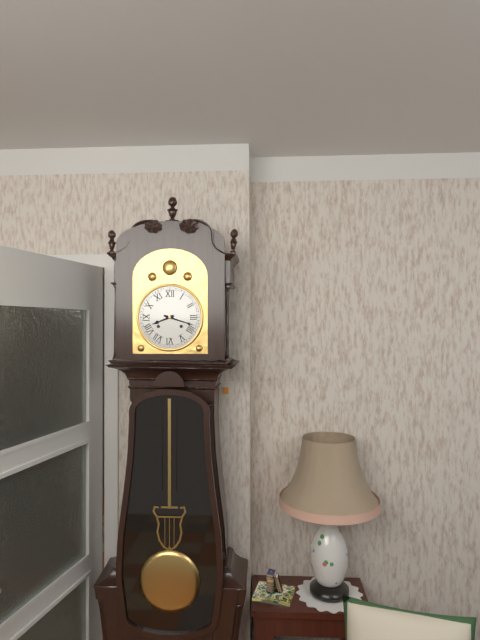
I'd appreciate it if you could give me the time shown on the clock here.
8:18
